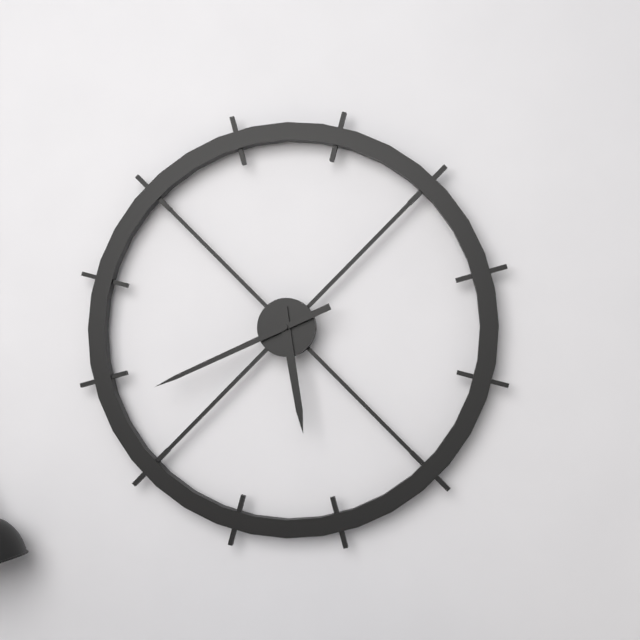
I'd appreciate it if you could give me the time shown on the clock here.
5:41
